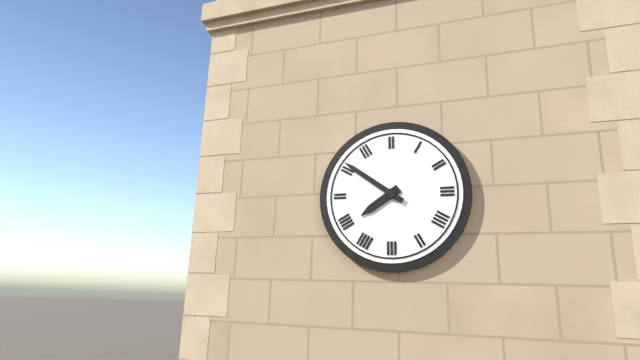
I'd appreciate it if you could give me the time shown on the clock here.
7:51
